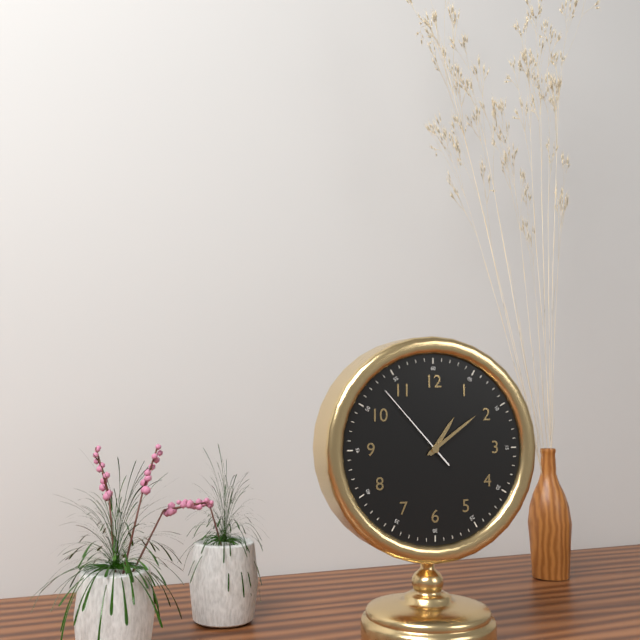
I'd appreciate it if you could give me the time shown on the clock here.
1:09:53
